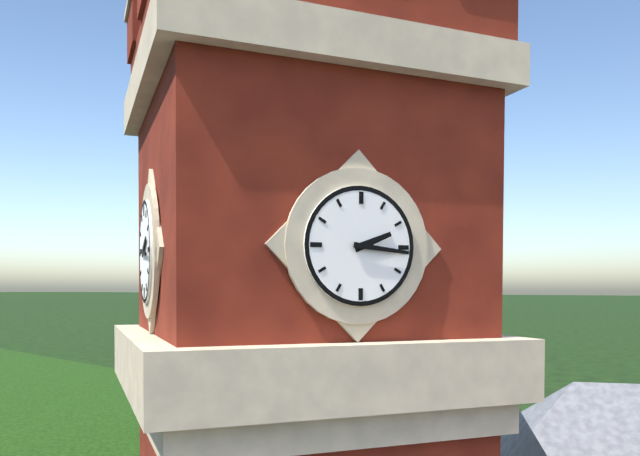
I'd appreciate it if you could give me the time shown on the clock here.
2:16
